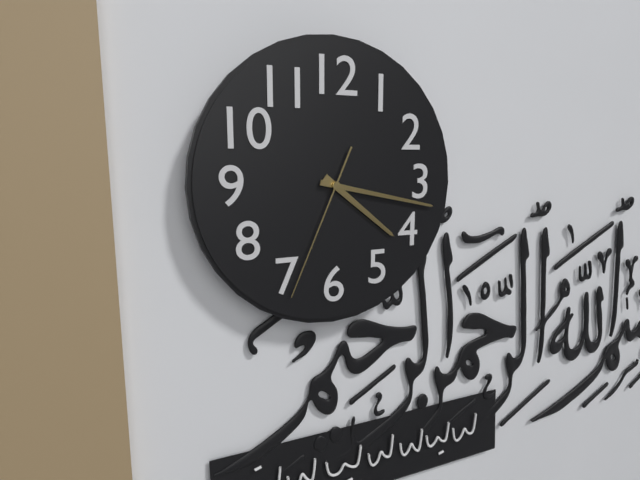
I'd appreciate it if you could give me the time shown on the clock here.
4:17:34
